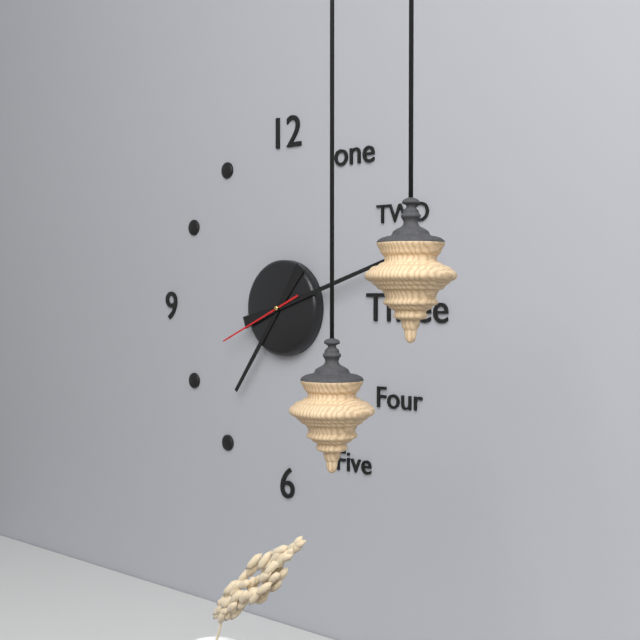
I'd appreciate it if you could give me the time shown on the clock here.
7:12:41
